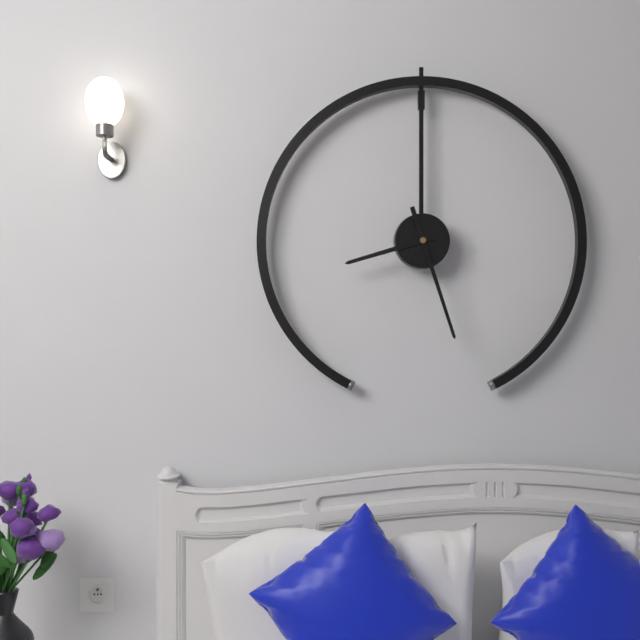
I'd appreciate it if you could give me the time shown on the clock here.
8:27
